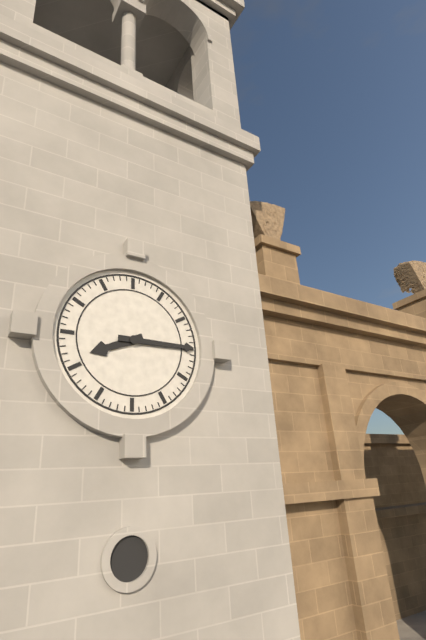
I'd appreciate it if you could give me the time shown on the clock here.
8:15
